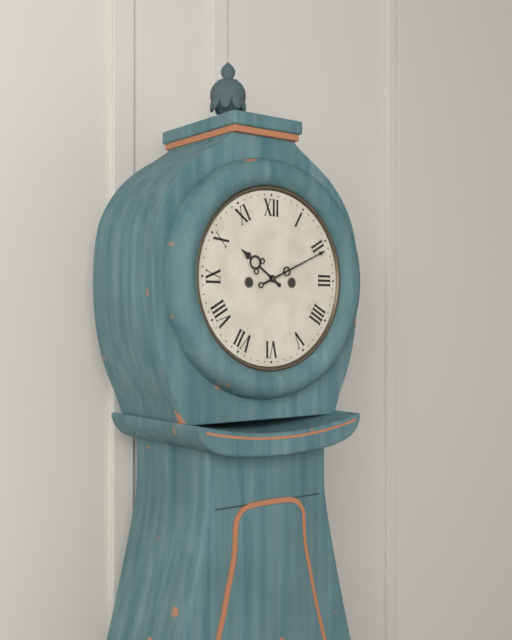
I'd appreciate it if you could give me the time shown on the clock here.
10:11
